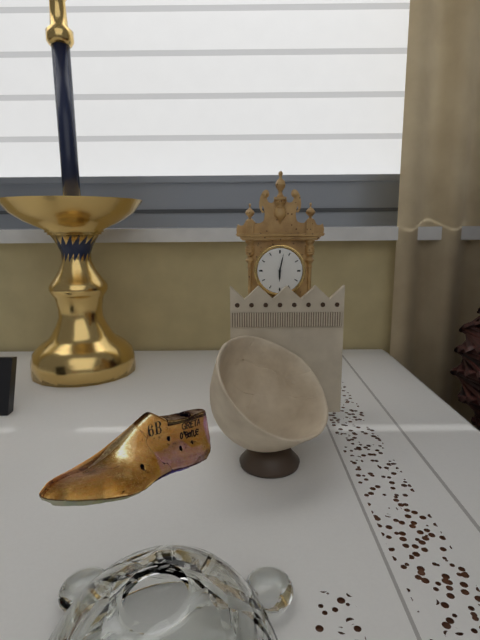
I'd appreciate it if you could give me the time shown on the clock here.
6:02
